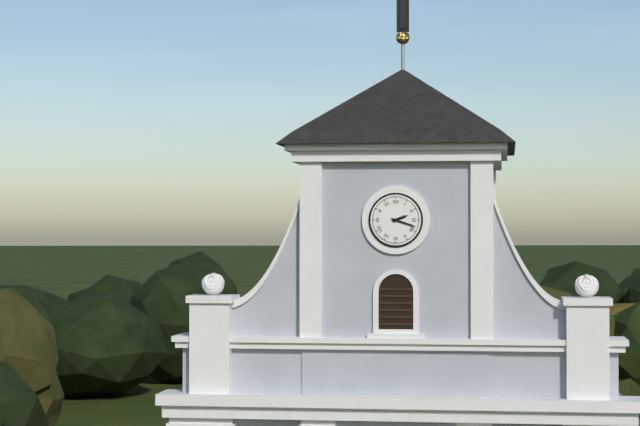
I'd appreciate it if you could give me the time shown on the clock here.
2:18
